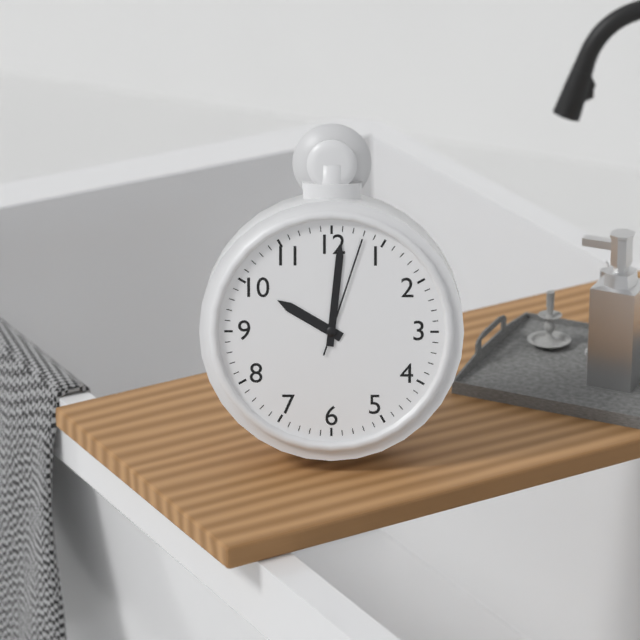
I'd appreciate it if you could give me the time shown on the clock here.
10:01:03
